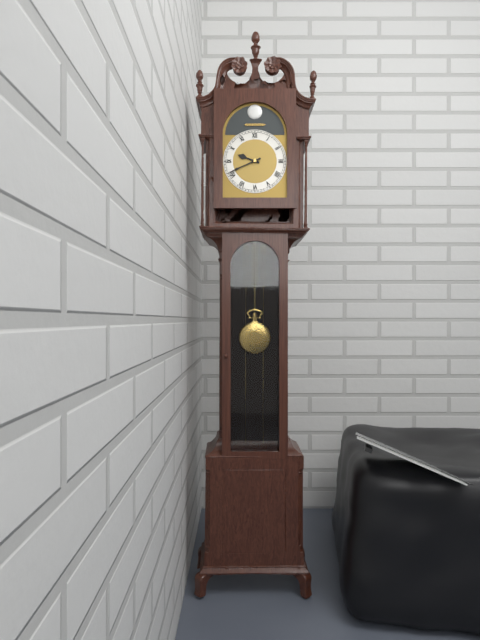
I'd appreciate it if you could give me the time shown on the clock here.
9:41
